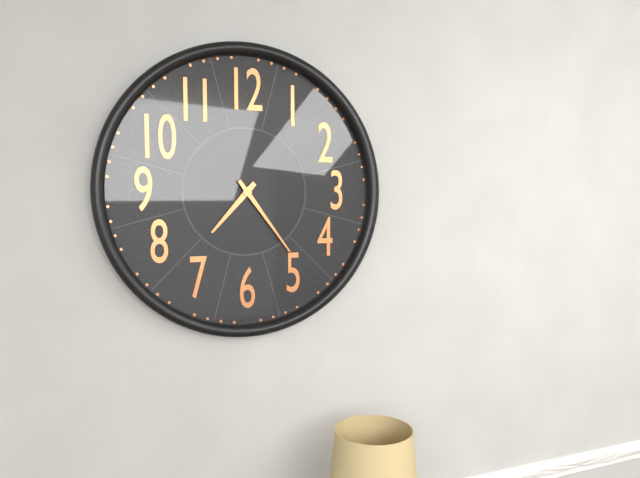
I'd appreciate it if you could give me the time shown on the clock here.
7:24
